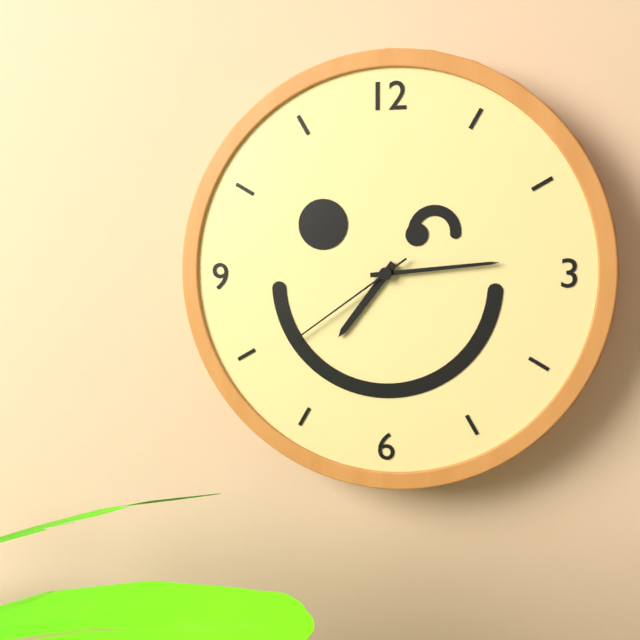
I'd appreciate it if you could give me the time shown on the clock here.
7:14:39
